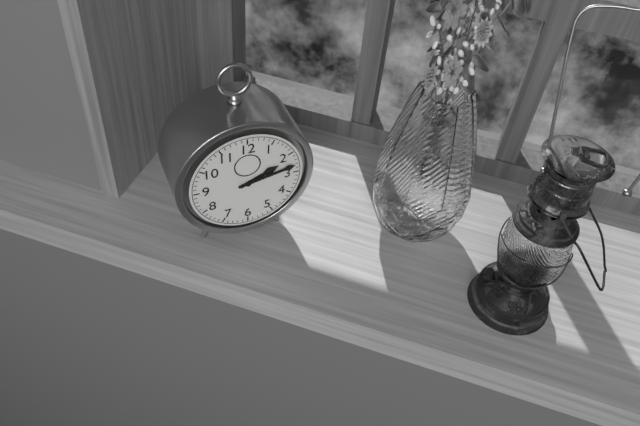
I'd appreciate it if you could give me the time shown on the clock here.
2:13
